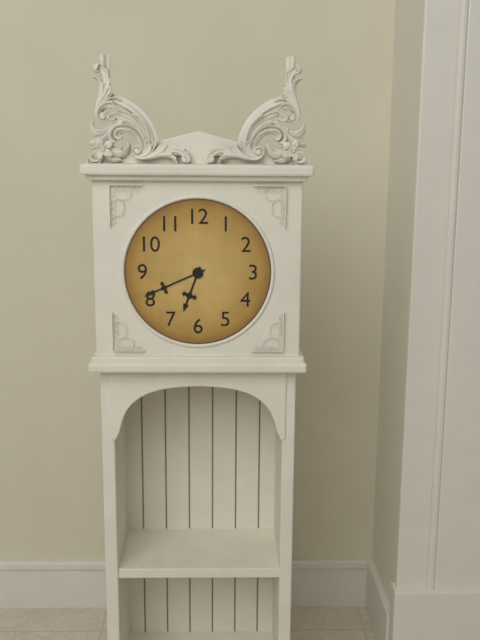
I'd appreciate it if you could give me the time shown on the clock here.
6:41
